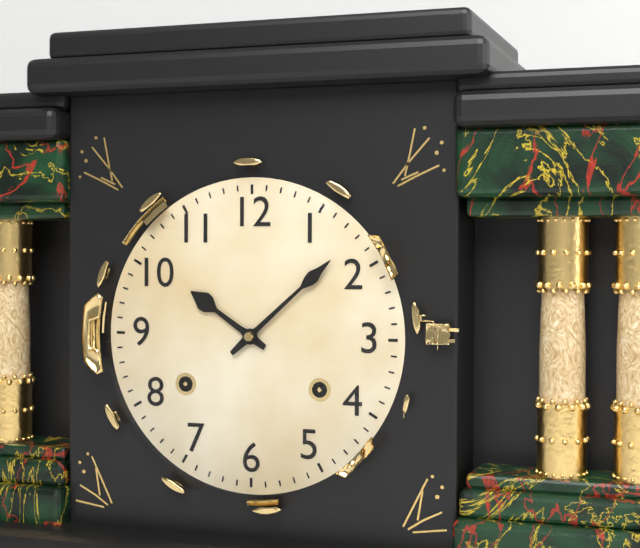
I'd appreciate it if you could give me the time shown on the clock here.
10:08
